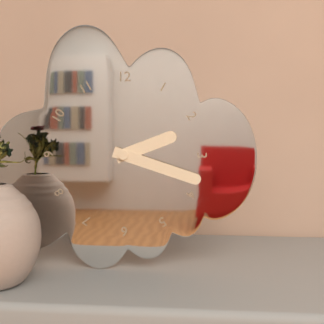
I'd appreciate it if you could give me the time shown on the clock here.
2:18
